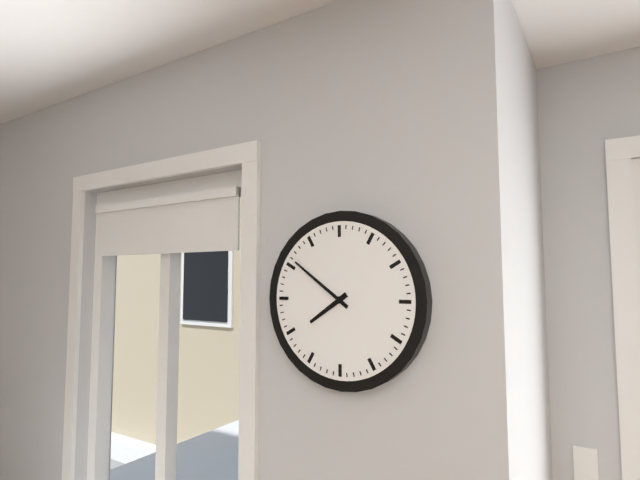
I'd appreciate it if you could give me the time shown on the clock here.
7:51
